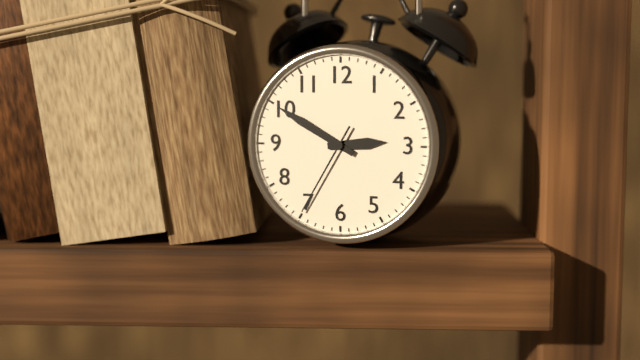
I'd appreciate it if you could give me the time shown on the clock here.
2:50:35
